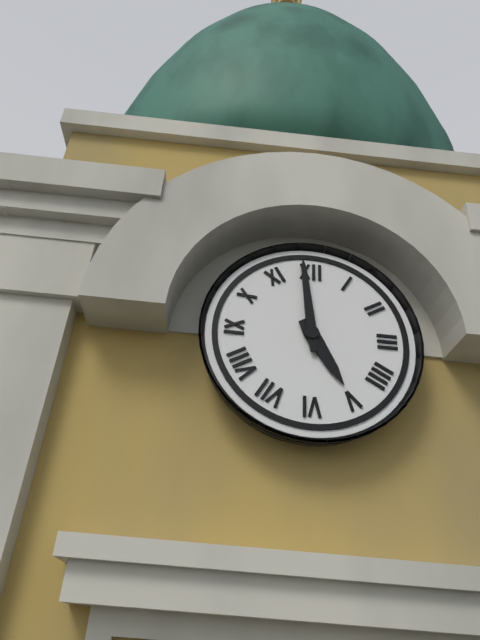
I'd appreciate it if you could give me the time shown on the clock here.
4:59
